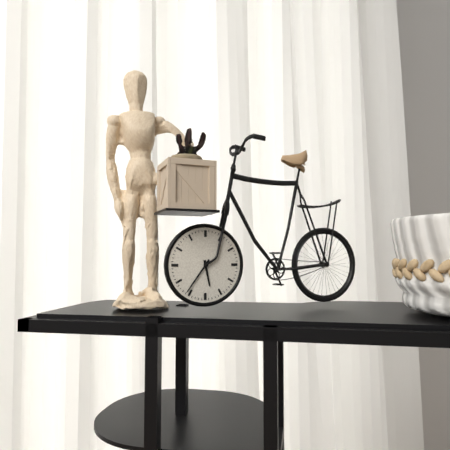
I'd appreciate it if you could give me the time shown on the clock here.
5:36
